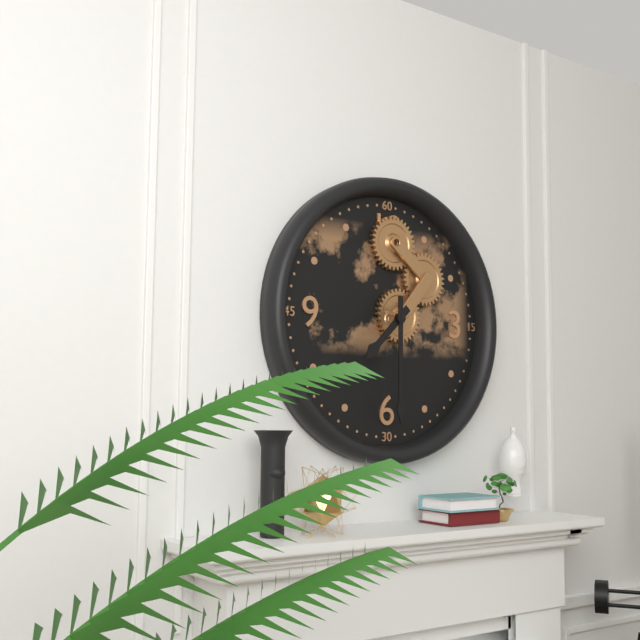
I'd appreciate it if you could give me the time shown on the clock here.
7:30
